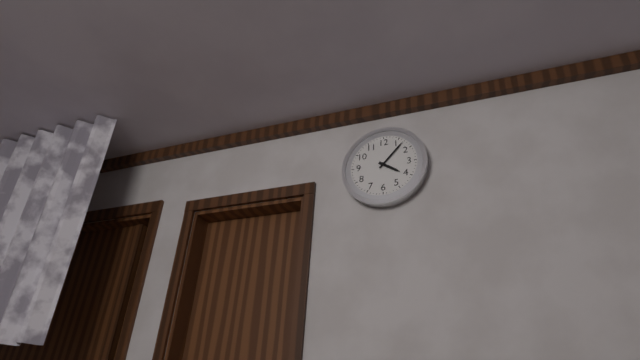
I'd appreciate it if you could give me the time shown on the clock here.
4:07
